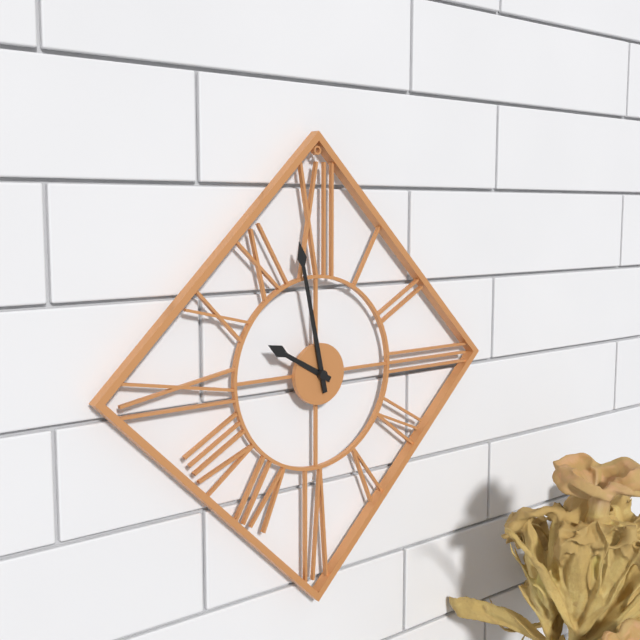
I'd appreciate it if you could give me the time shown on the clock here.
9:58
